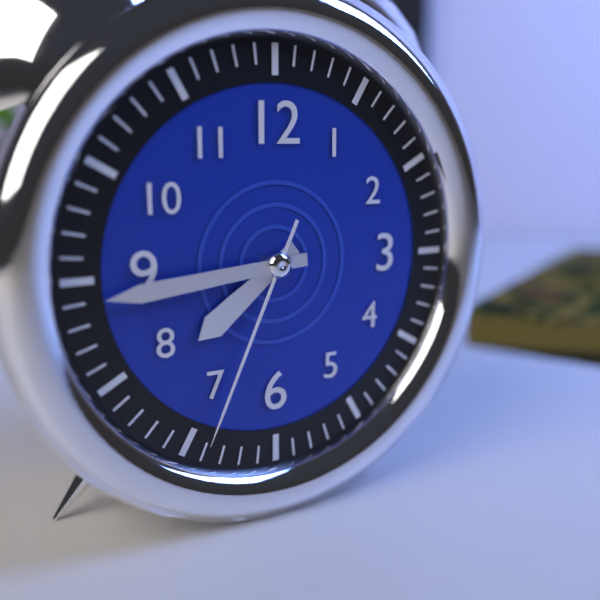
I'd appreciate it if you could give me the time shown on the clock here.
7:44:34
